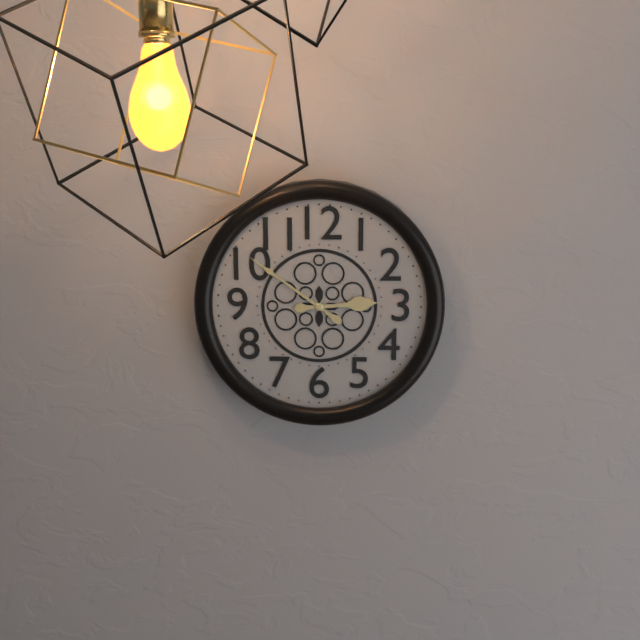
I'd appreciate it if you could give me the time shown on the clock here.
2:51
